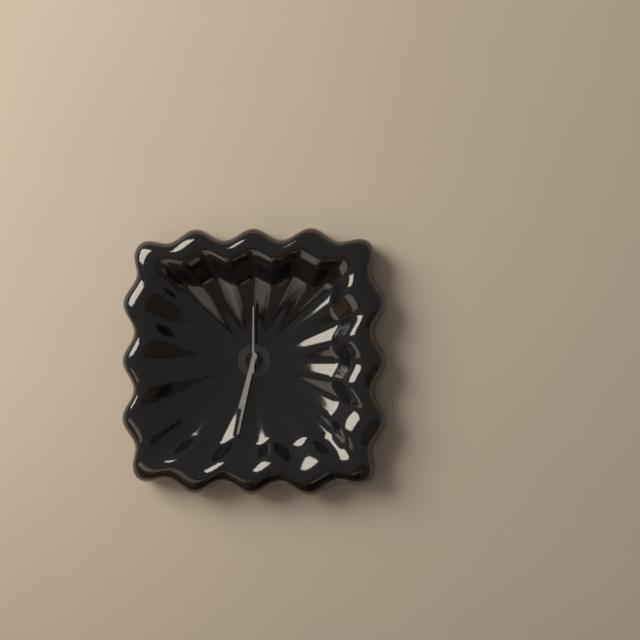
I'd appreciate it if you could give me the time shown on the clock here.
6:32:00
